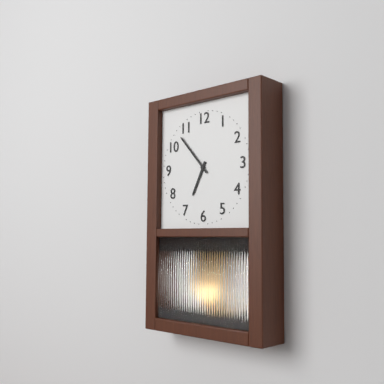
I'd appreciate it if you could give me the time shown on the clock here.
6:53
